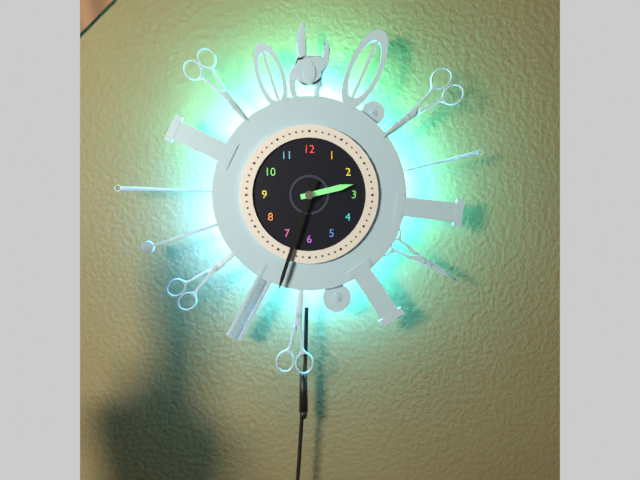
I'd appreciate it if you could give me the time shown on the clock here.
2:33
